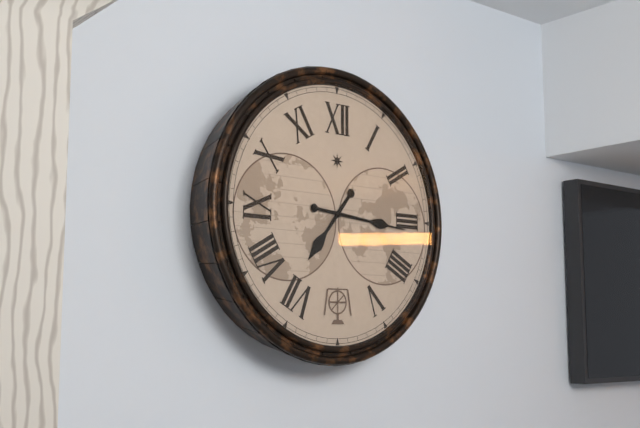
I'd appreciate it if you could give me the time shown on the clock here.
7:16
